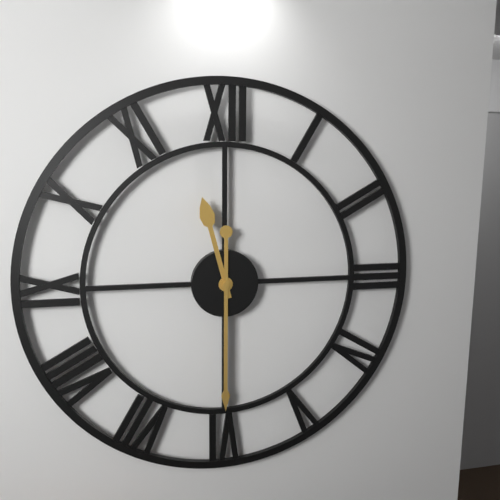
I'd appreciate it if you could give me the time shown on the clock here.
11:30
